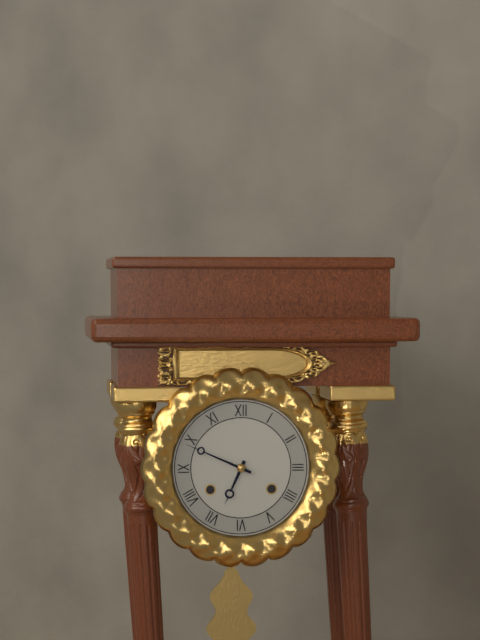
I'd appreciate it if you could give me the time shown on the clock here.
6:49
